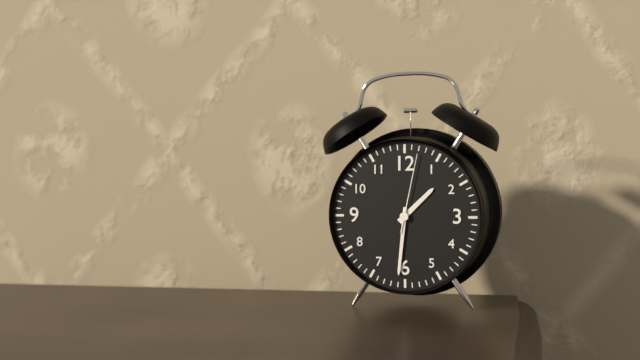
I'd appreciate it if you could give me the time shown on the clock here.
1:31:02
